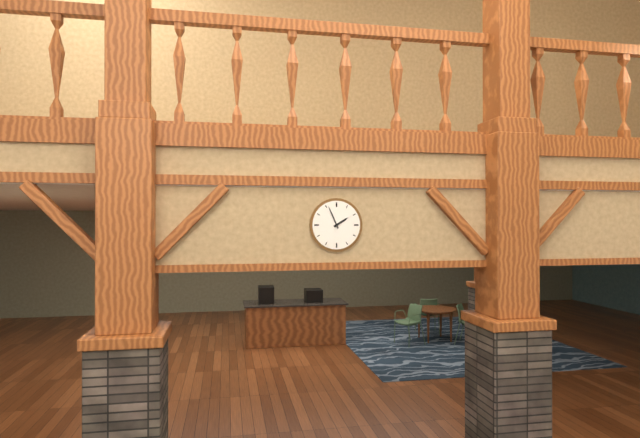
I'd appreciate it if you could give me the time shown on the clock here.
1:56
